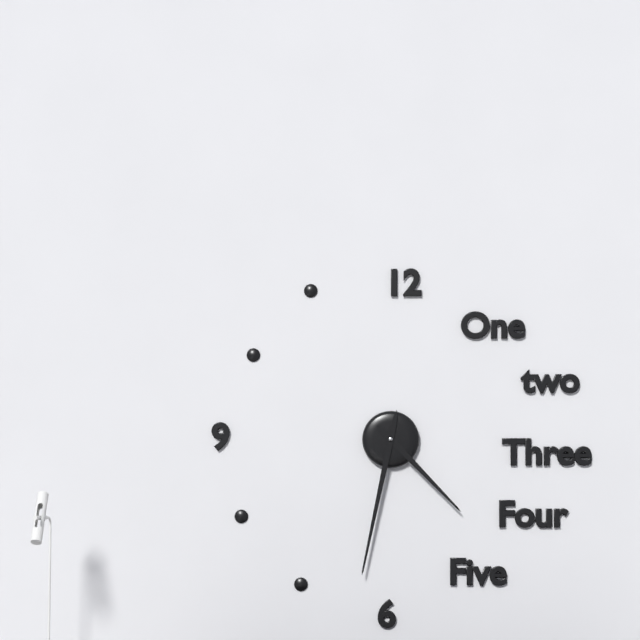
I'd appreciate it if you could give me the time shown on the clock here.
4:32
